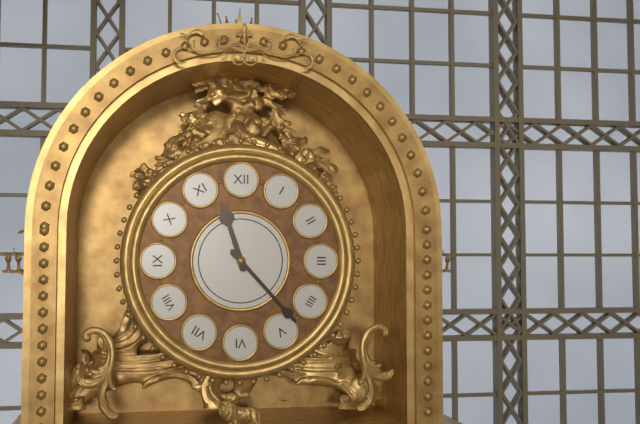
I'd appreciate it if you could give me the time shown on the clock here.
11:23
